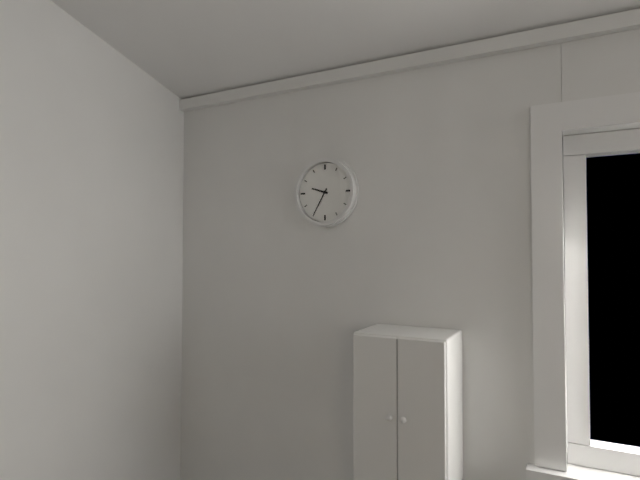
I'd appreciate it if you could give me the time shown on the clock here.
9:35
